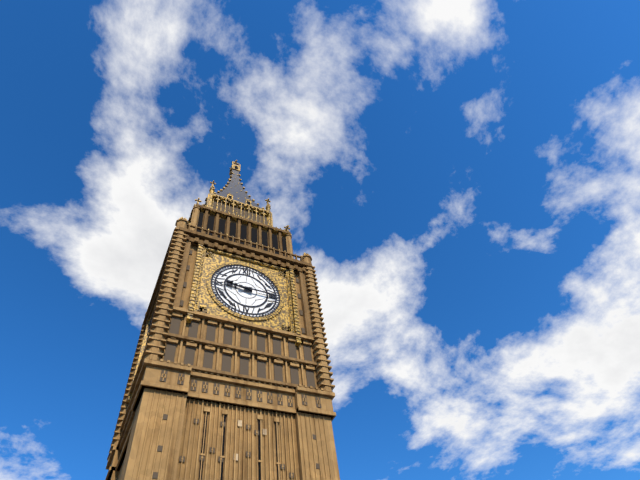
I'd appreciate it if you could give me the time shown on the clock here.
9:15
